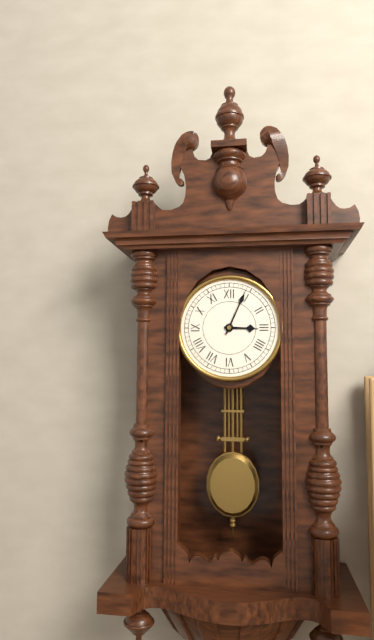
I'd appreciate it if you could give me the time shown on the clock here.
3:04
